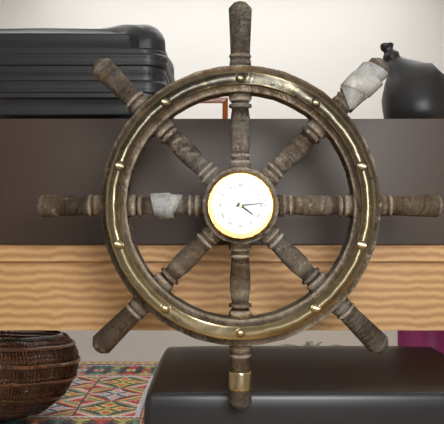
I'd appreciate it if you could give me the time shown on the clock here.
4:14
